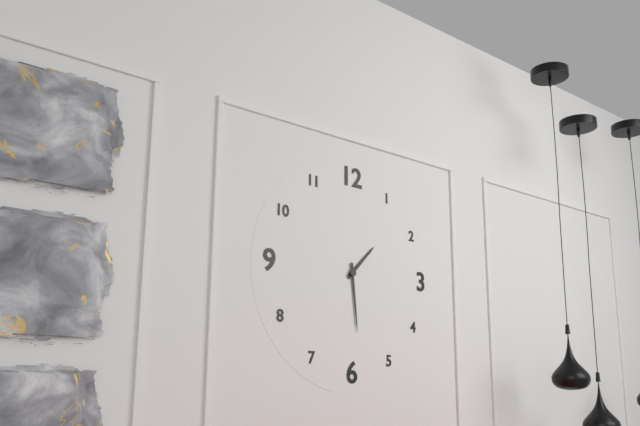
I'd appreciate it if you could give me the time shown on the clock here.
1:29
